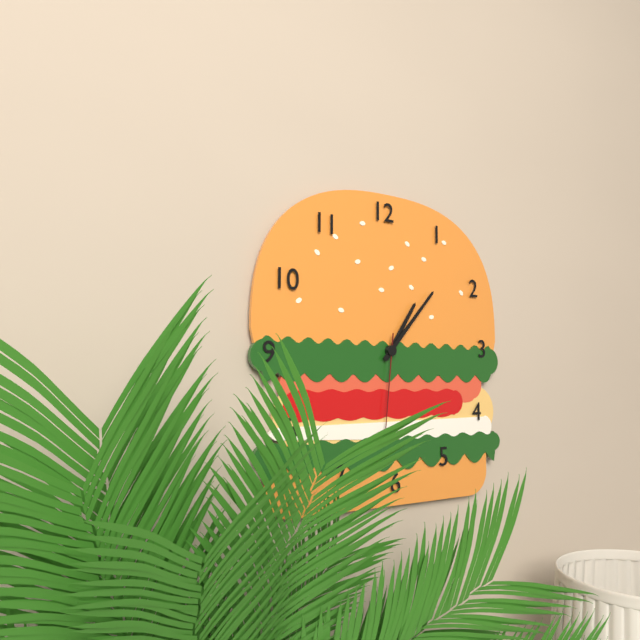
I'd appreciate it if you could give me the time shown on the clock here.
1:07:31
